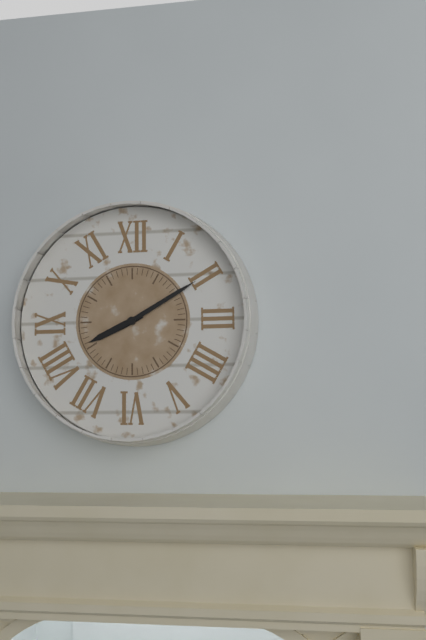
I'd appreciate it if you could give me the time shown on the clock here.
8:10
